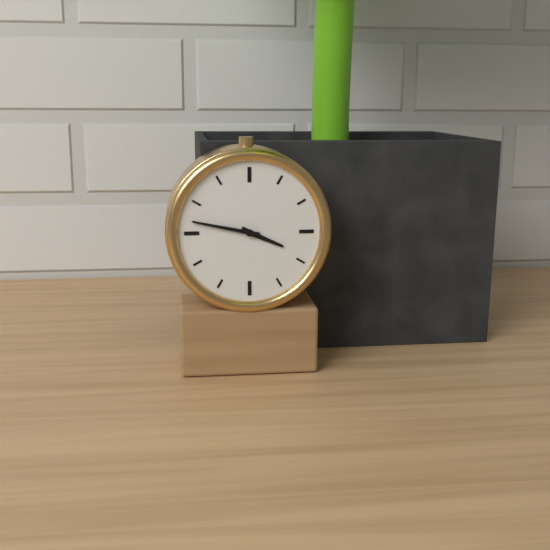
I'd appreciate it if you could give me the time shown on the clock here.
3:47
